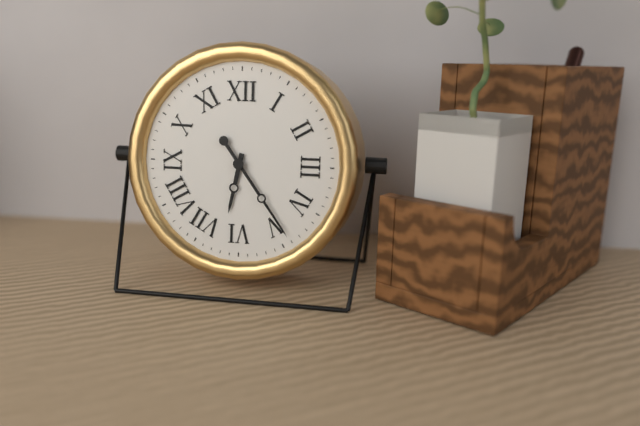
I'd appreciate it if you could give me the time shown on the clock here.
6:24
